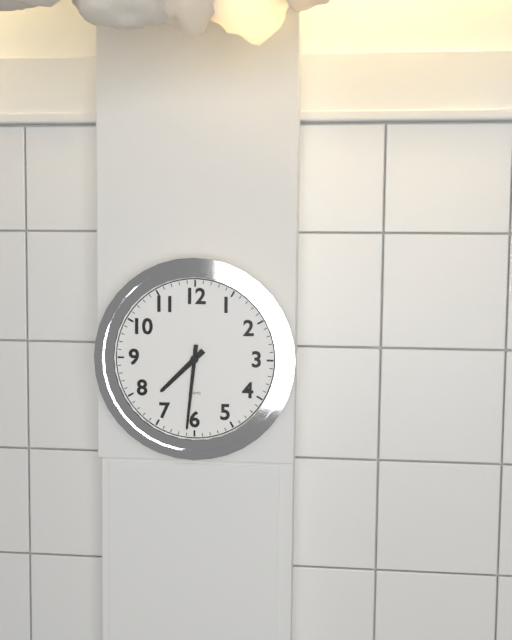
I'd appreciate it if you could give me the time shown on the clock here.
7:31
